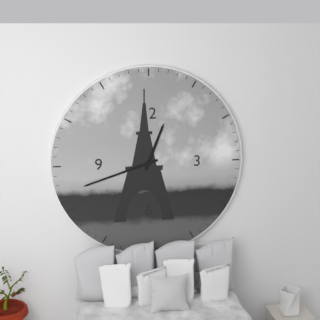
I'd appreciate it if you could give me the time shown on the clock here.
12:42
